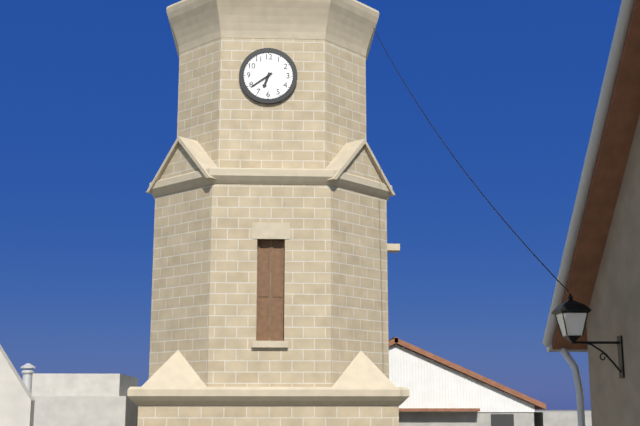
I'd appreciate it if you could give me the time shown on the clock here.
6:39
